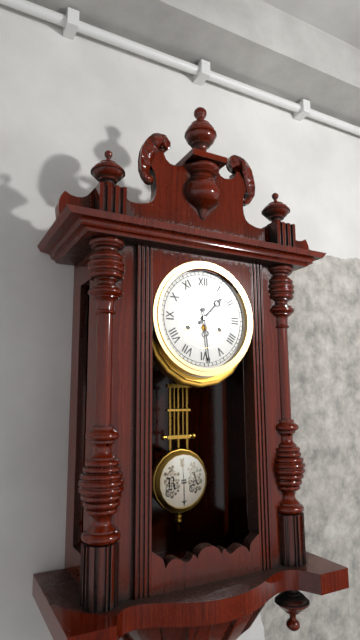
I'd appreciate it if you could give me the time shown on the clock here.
1:29
